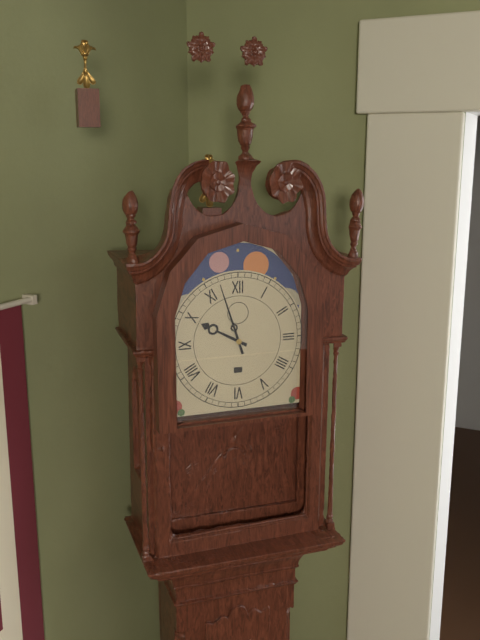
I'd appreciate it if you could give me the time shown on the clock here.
9:57
